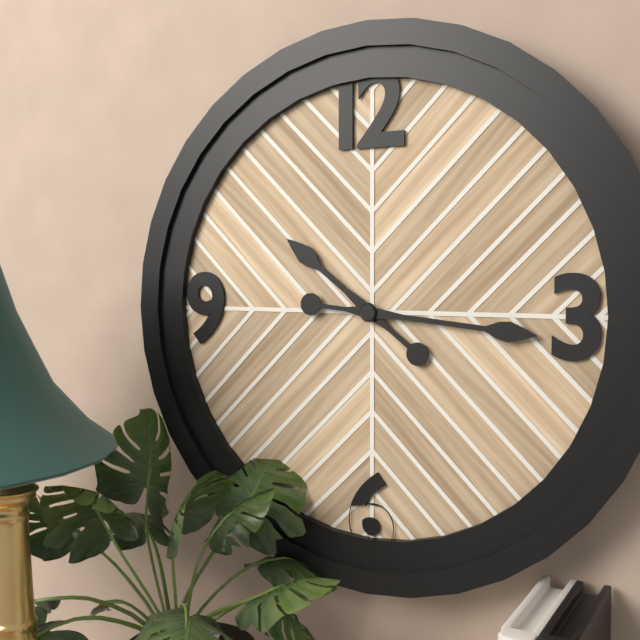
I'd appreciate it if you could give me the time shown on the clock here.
10:16
